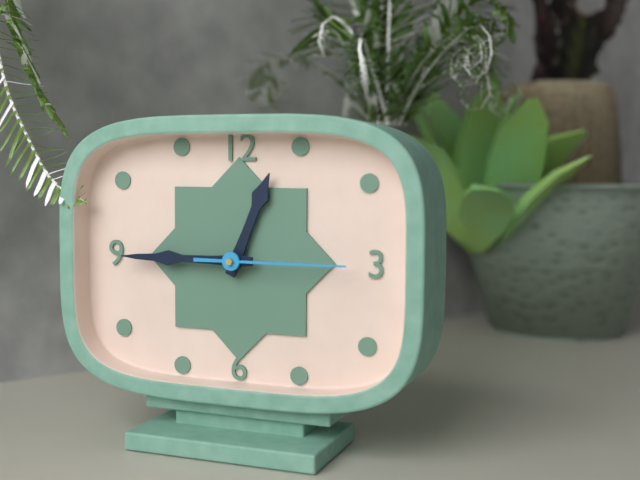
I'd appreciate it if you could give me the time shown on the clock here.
12:45:15
